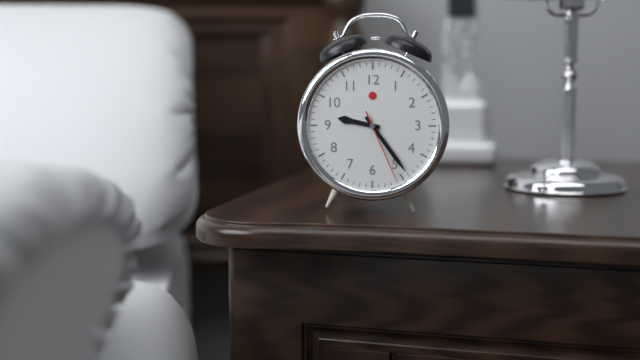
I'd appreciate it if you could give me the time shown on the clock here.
9:24:26
